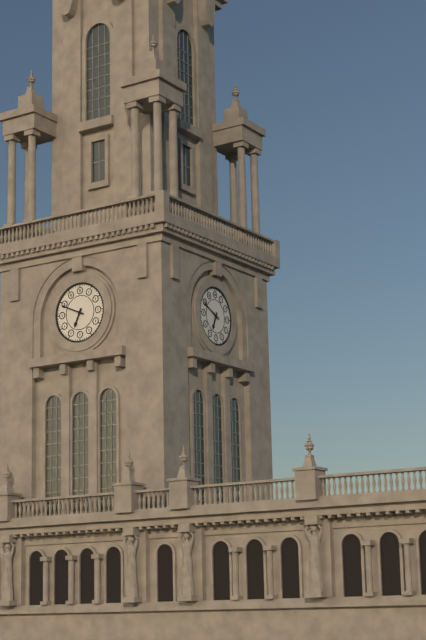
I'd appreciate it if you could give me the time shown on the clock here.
6:49
